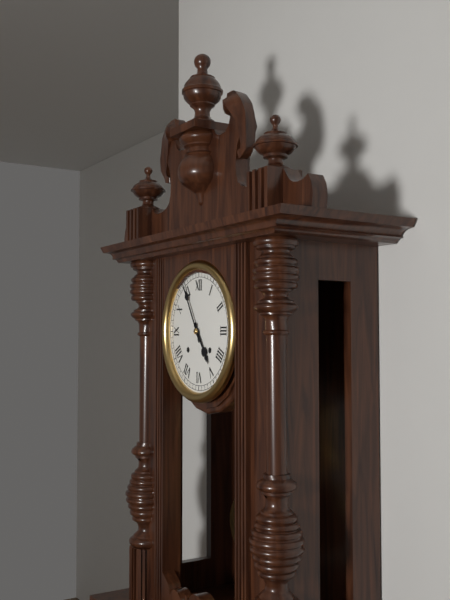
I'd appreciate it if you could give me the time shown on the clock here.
4:55
